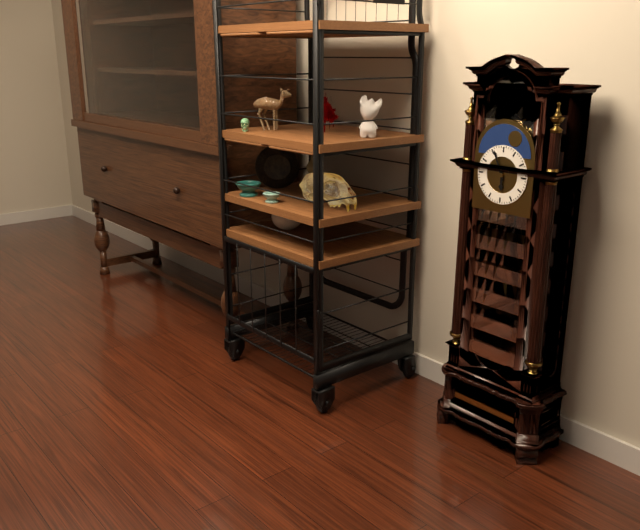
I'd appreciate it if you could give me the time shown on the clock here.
5:56
